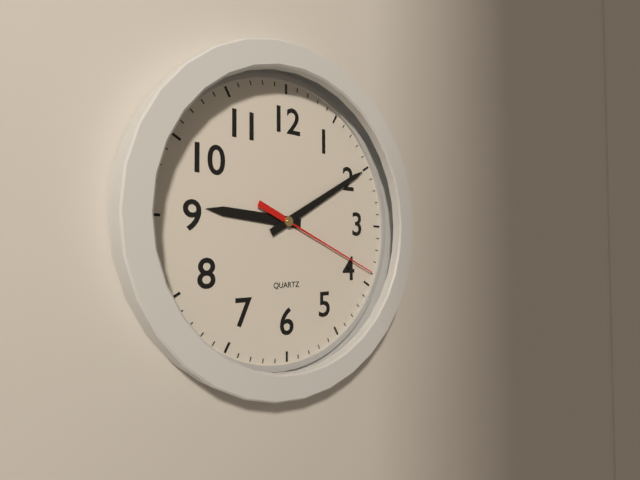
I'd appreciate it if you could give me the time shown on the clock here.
9:10:19
